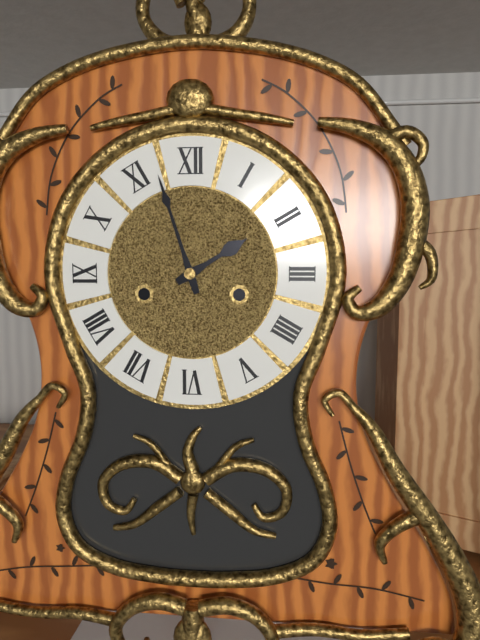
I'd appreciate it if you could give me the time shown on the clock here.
1:57
